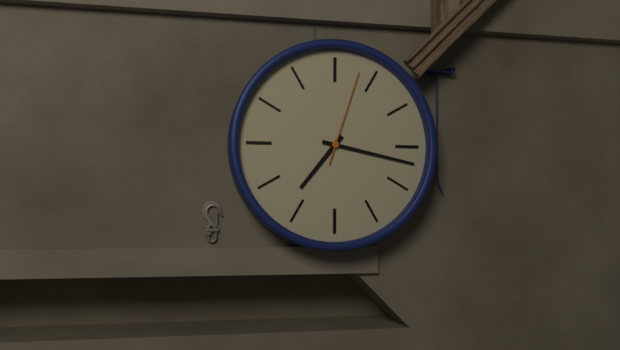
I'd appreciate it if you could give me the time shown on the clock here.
7:17:03
